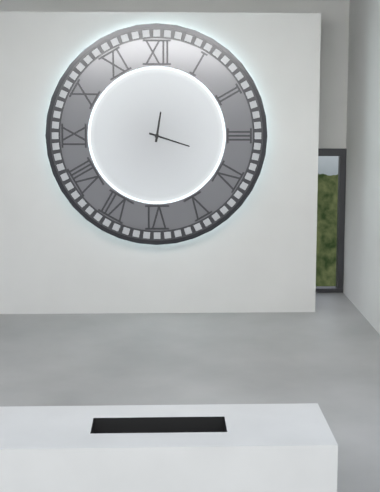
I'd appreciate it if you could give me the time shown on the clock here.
12:18
